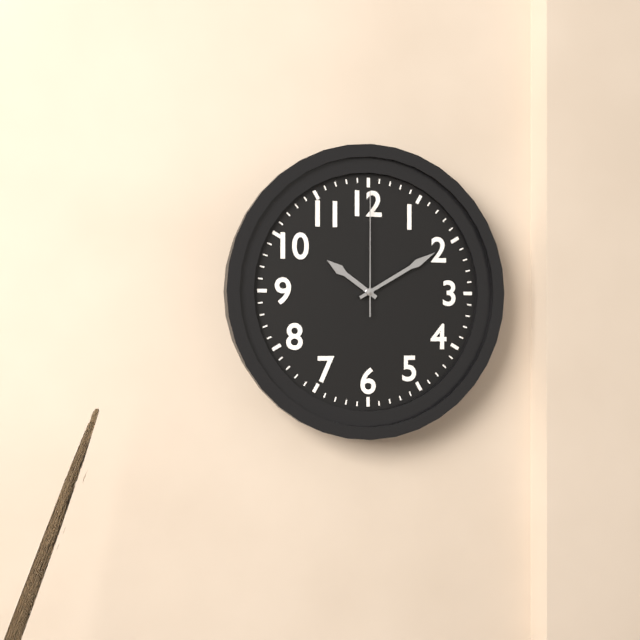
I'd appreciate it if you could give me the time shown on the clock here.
10:10:00
